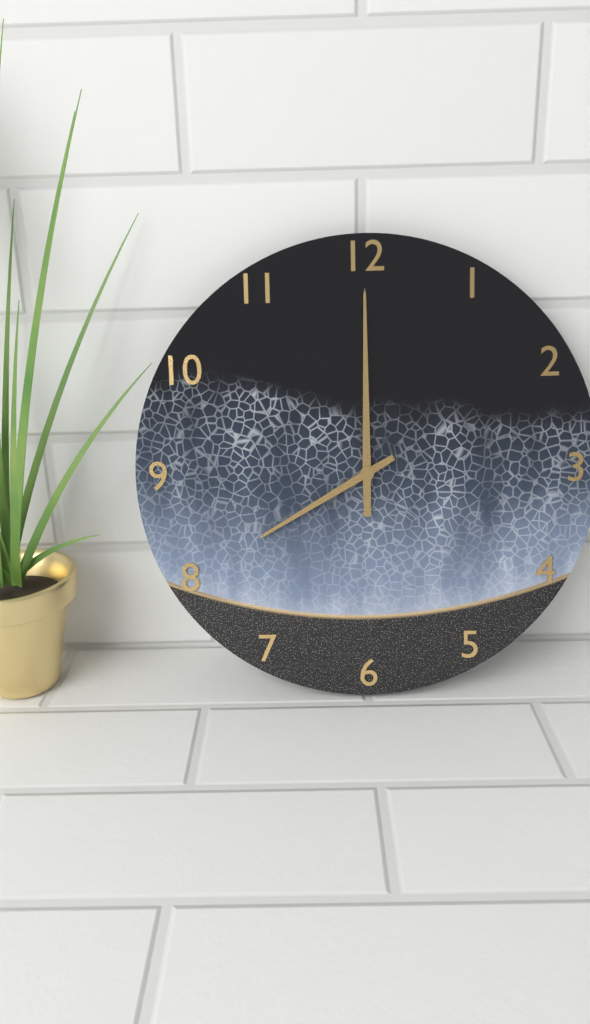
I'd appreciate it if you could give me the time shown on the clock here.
8:00
